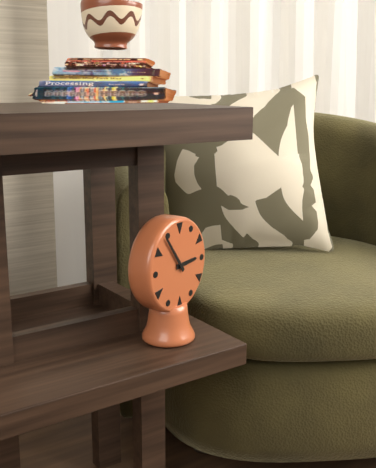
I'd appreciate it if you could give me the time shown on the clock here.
2:54
